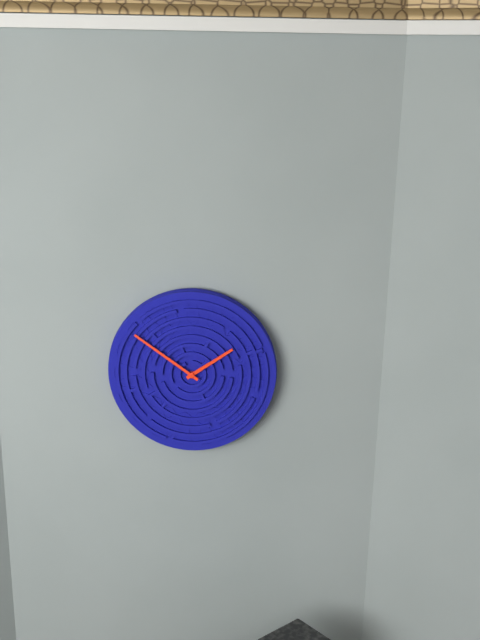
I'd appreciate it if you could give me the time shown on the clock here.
1:51
